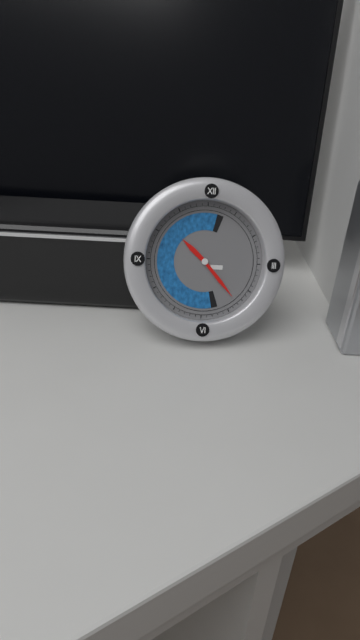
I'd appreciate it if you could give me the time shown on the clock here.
10:23
